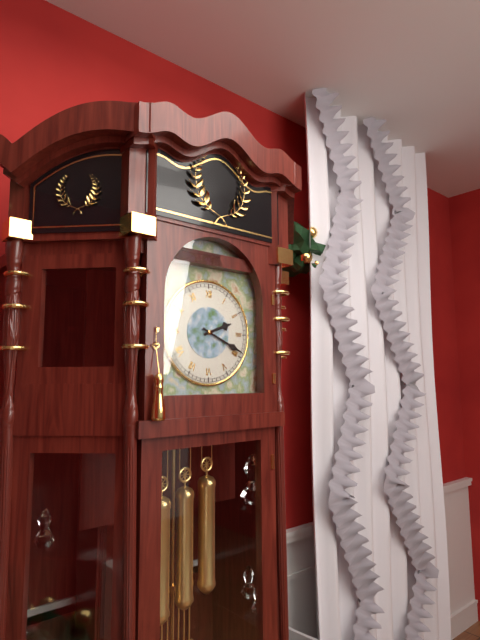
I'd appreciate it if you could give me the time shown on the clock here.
2:19
